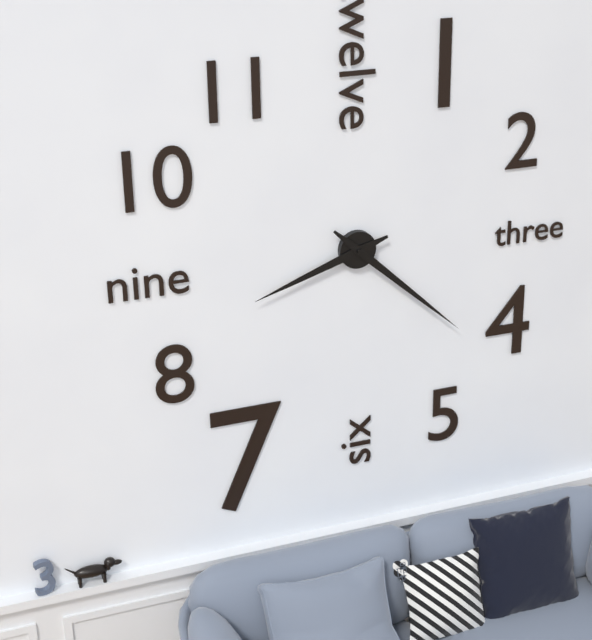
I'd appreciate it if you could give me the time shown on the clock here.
8:22
